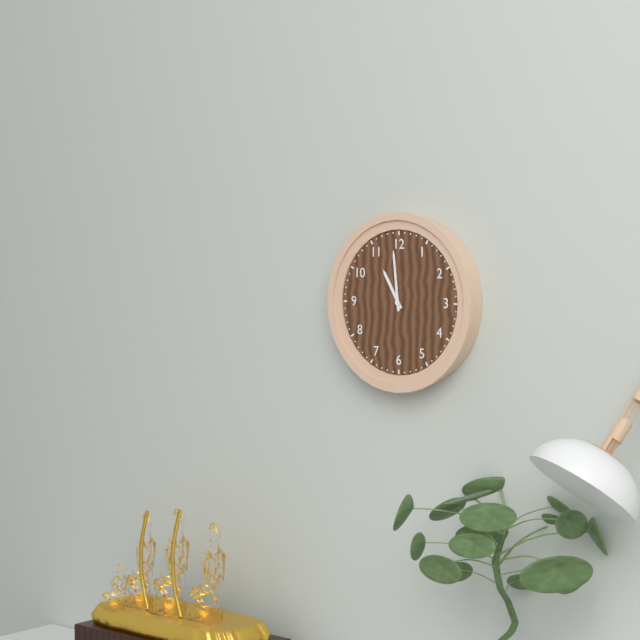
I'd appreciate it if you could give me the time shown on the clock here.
10:59
